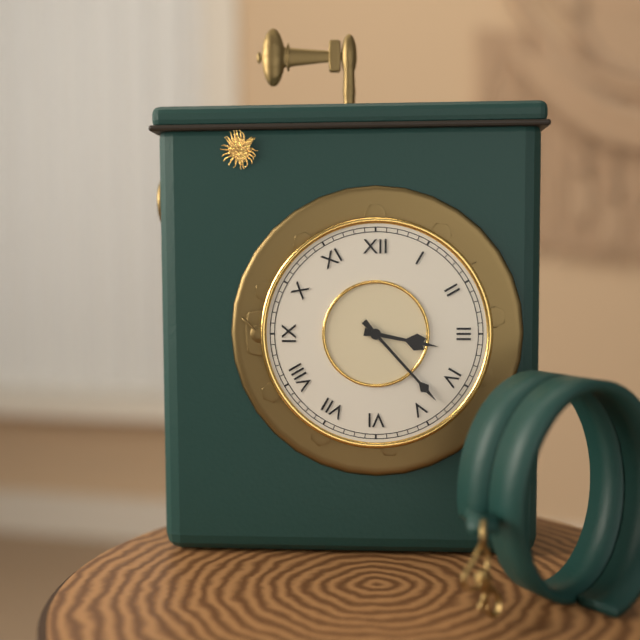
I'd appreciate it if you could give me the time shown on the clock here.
3:23
